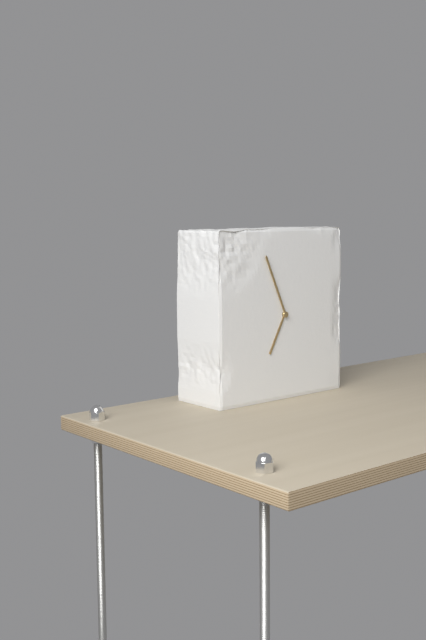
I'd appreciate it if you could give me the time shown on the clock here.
6:56
